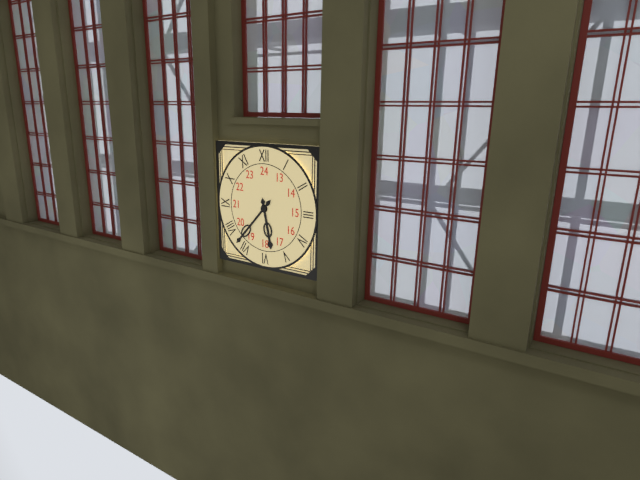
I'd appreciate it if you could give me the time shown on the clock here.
5:37
